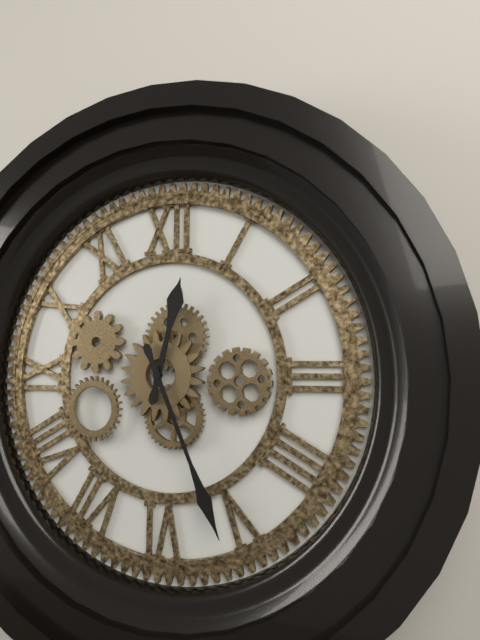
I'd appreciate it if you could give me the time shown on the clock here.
12:26
